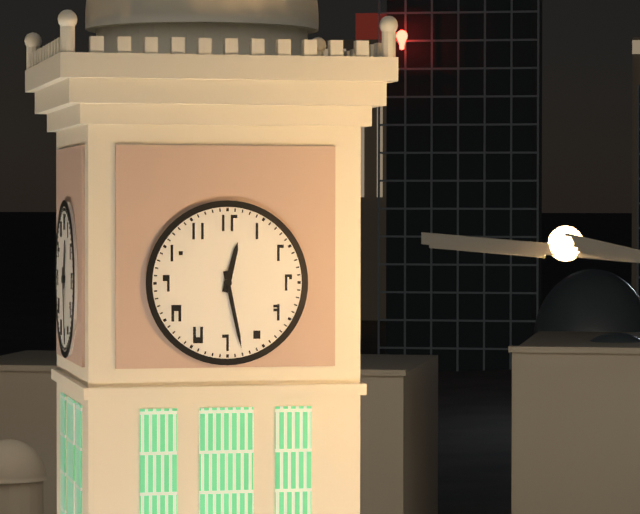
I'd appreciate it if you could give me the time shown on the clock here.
12:28
